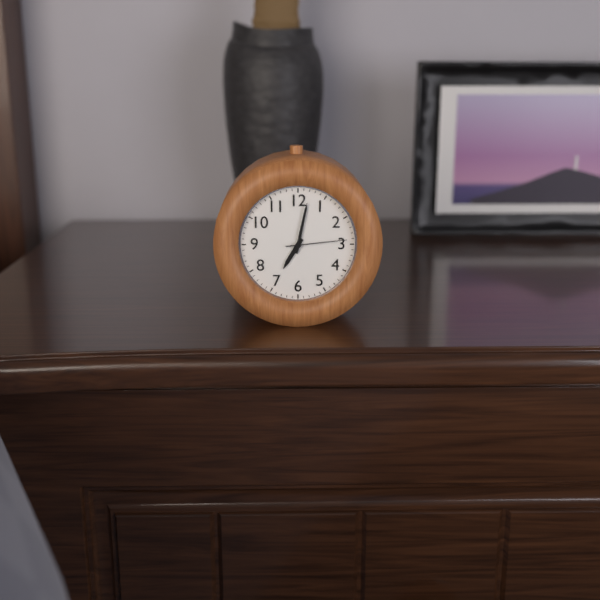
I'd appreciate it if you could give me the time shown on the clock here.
7:02:14
